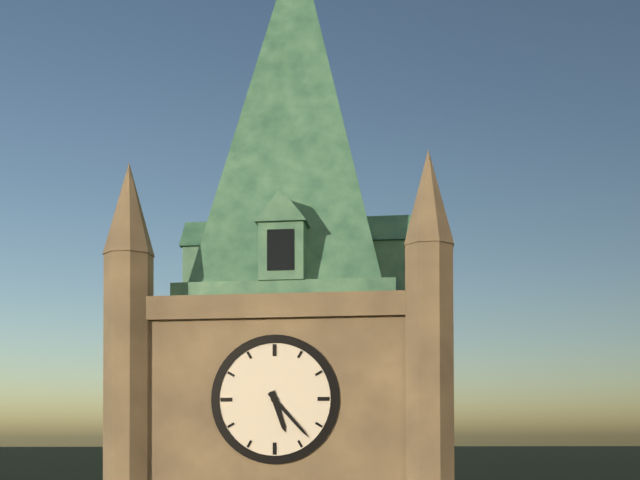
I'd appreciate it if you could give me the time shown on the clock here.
5:23
